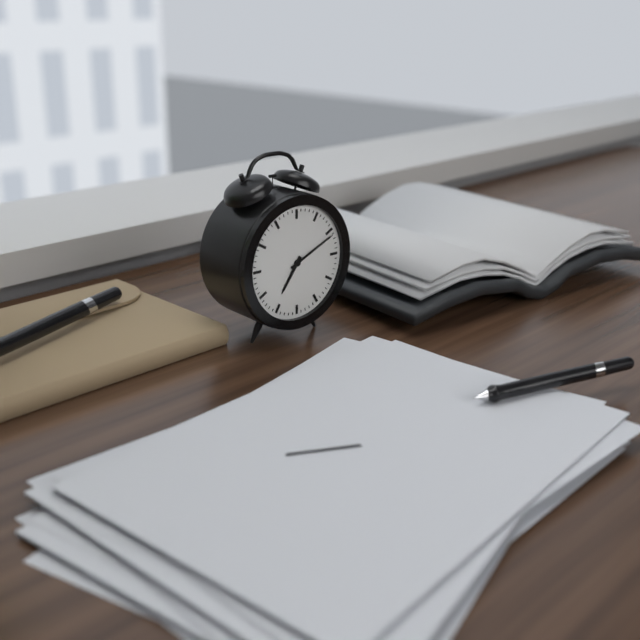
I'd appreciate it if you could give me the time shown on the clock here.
7:11
